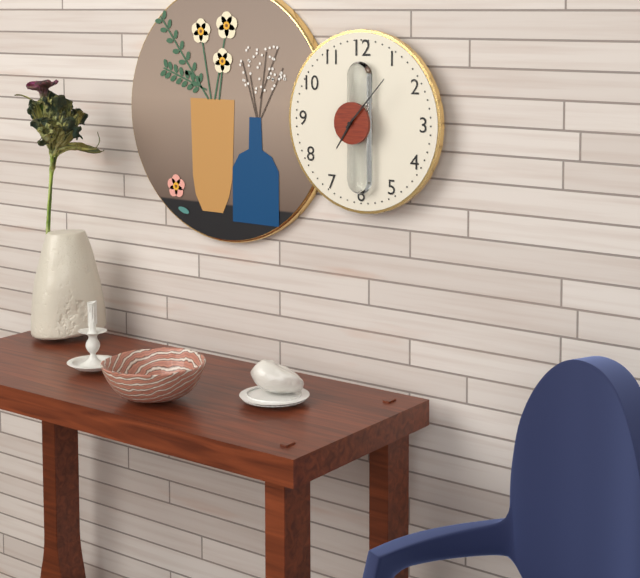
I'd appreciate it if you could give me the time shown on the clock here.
7:07
